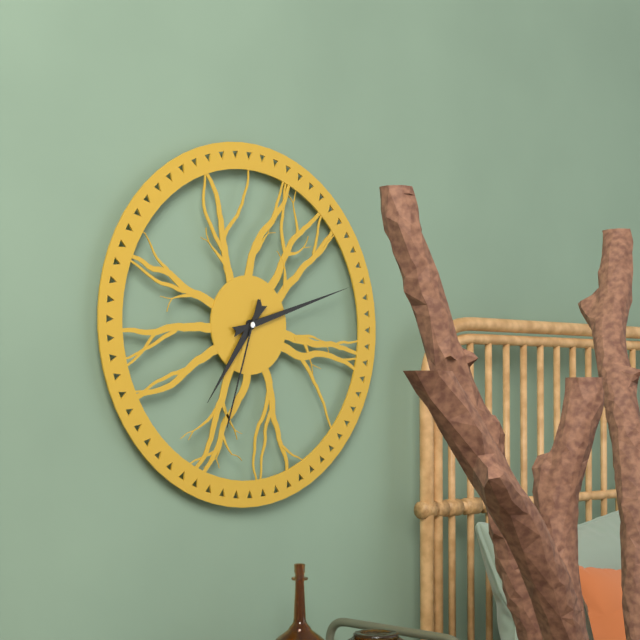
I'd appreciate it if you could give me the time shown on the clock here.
7:12:33
